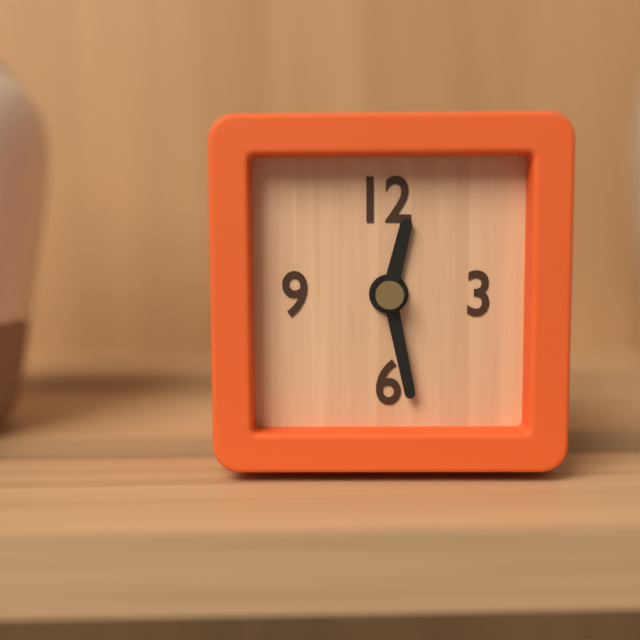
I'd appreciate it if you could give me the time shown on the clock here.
12:28
